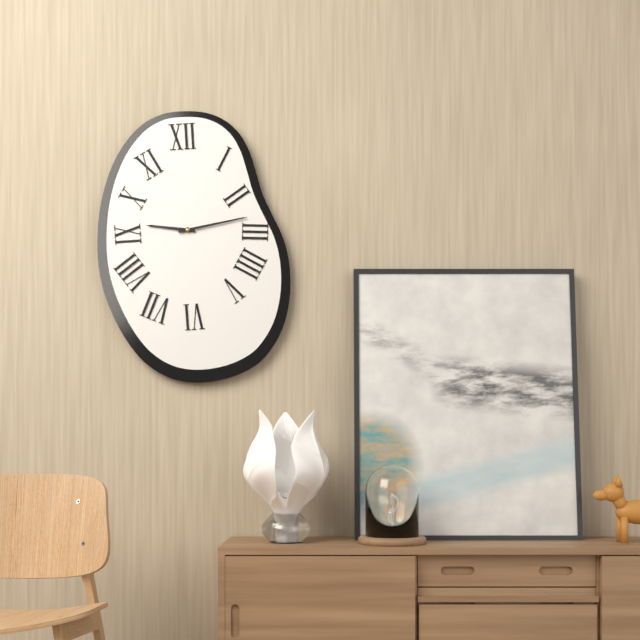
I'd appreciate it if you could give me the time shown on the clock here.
9:13
